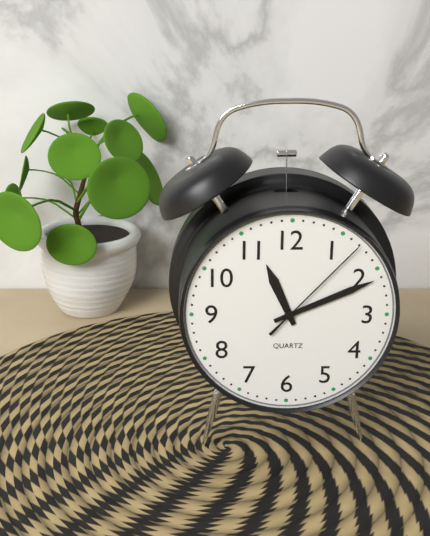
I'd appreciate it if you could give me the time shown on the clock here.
11:11:07
